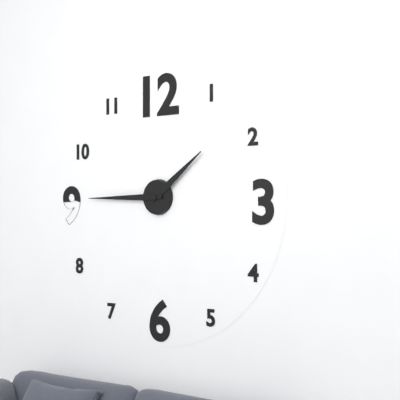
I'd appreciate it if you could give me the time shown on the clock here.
1:45
